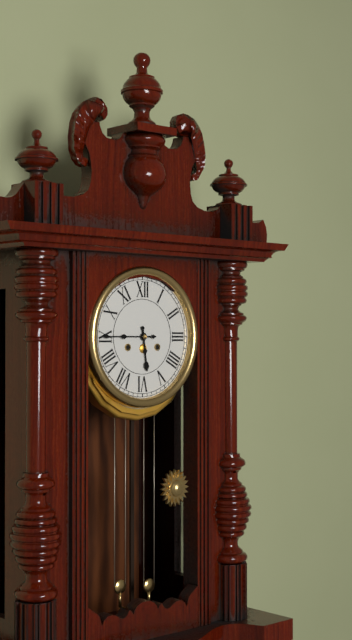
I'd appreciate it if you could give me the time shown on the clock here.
5:45
